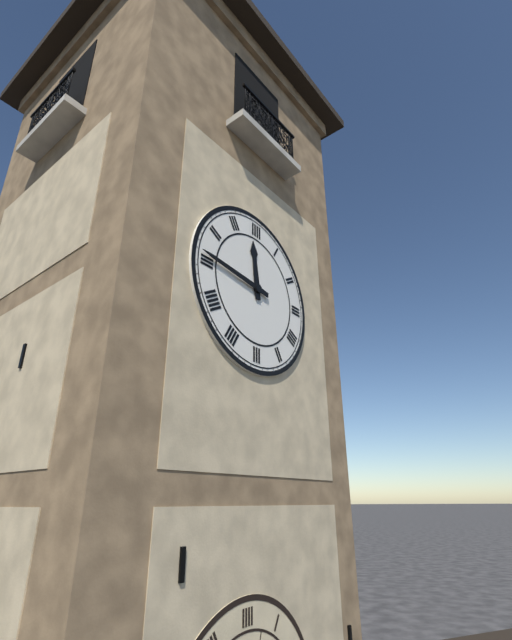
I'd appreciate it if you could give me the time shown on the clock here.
11:46
